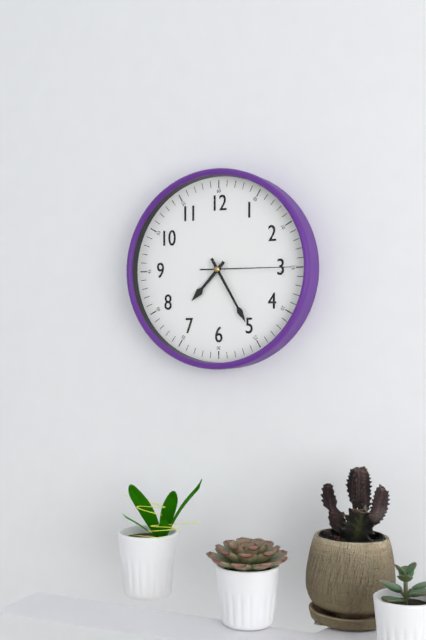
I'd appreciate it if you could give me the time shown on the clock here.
7:25:15
